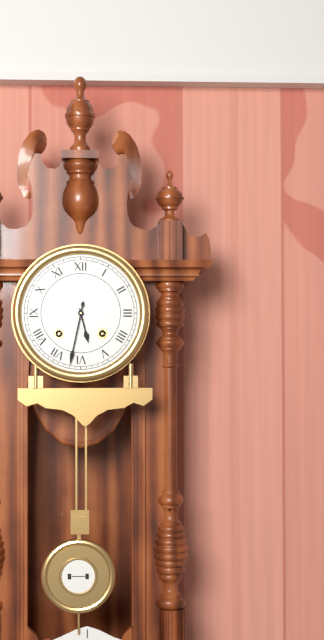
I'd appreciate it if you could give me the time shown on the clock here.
5:32
